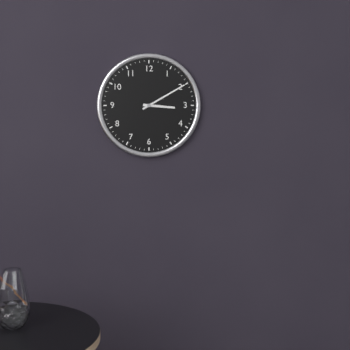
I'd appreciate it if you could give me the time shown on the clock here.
3:10
